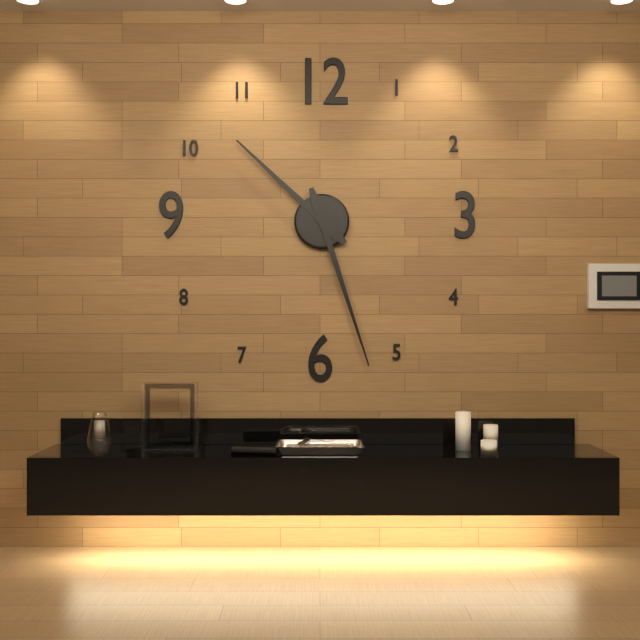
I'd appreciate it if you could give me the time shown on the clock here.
10:27
